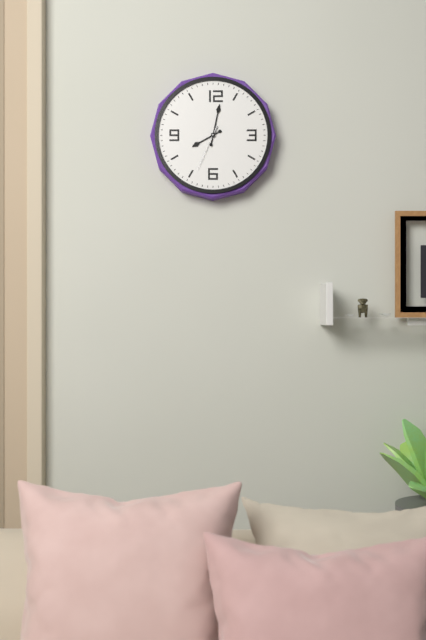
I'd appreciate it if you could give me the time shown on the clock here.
8:02
